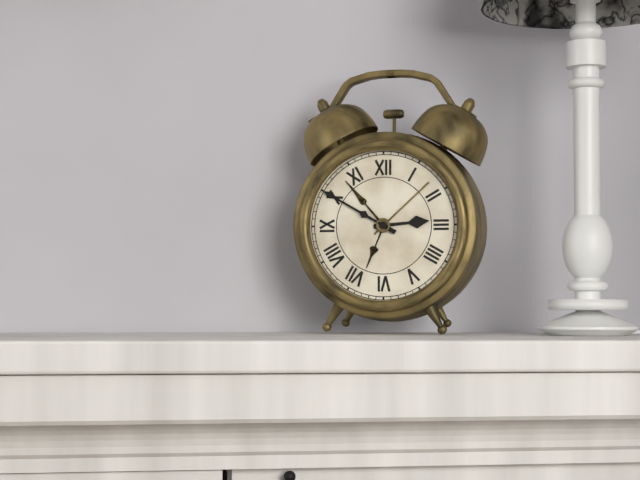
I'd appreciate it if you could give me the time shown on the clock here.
2:50
